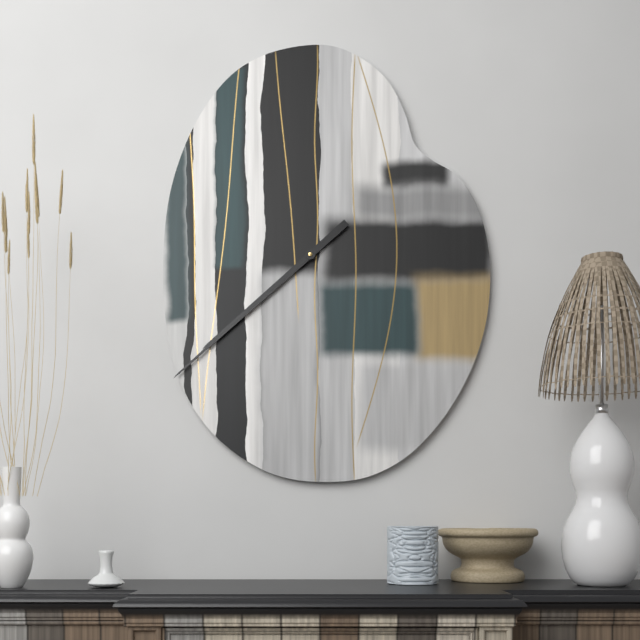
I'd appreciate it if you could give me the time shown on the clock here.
7:38
